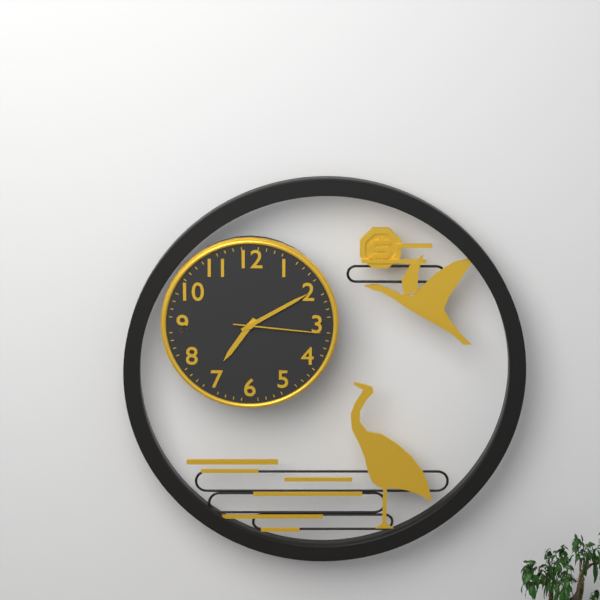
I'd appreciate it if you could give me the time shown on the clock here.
7:10:16
